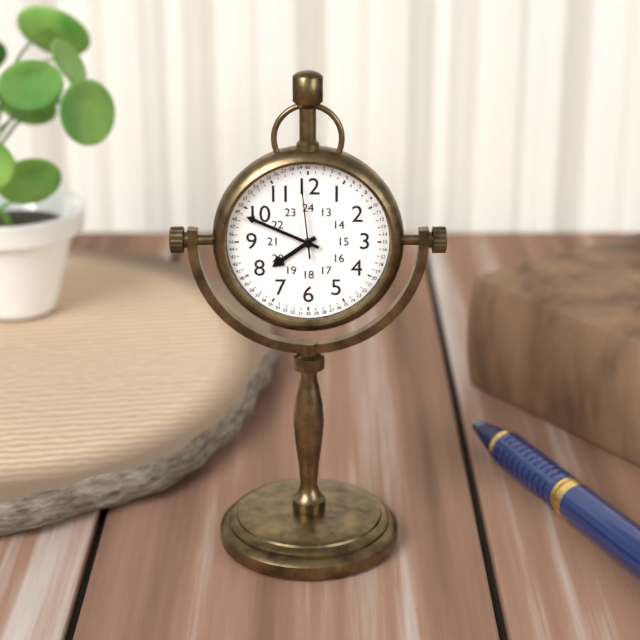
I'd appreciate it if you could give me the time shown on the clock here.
7:49:59
